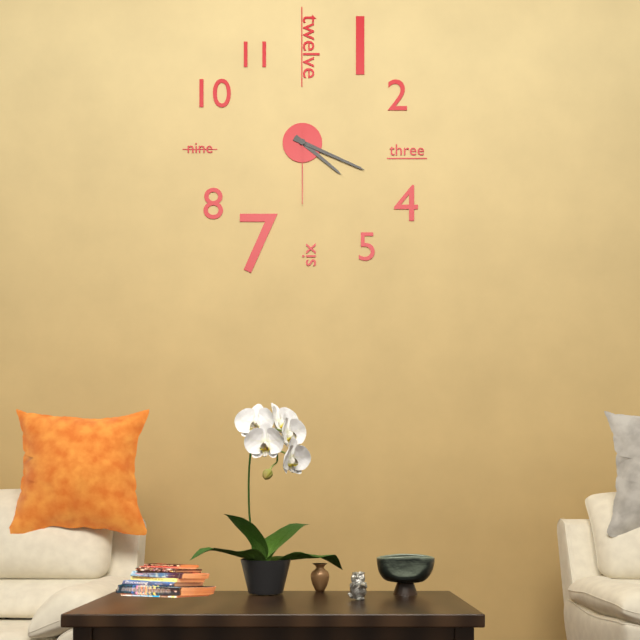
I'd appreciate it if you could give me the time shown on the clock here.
4:19:30
